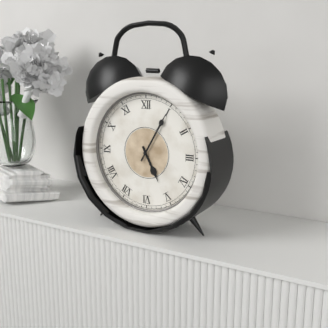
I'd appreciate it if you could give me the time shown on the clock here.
5:05
